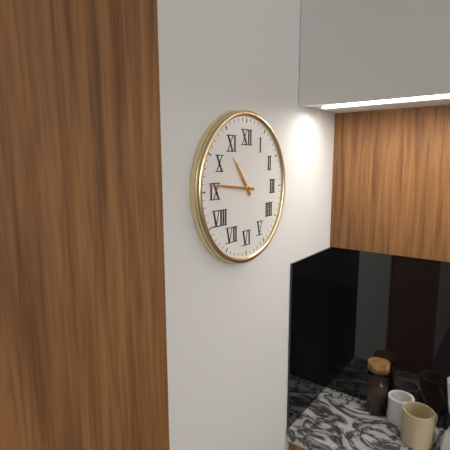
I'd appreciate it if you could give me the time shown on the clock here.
10:46
